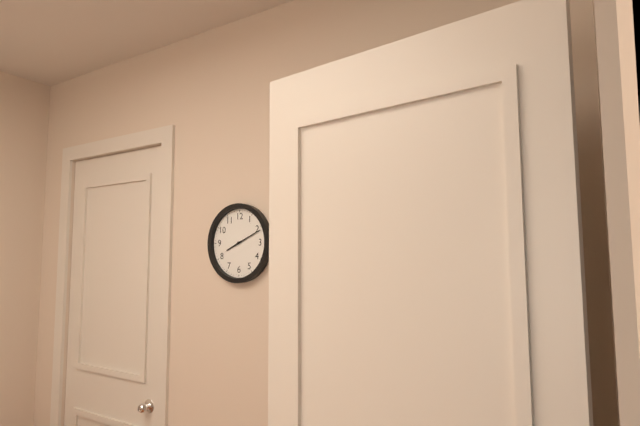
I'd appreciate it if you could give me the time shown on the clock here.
8:11
